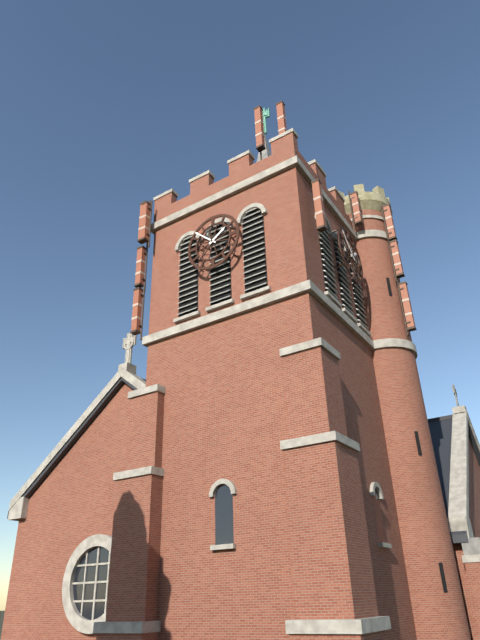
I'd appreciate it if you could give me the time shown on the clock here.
1:52
